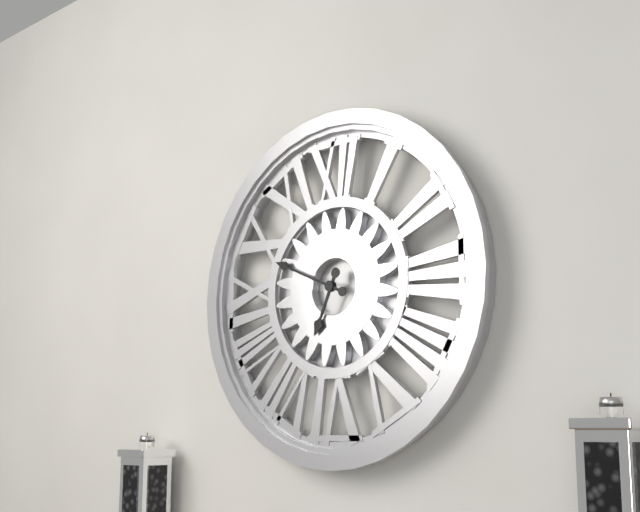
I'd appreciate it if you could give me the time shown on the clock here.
6:49
